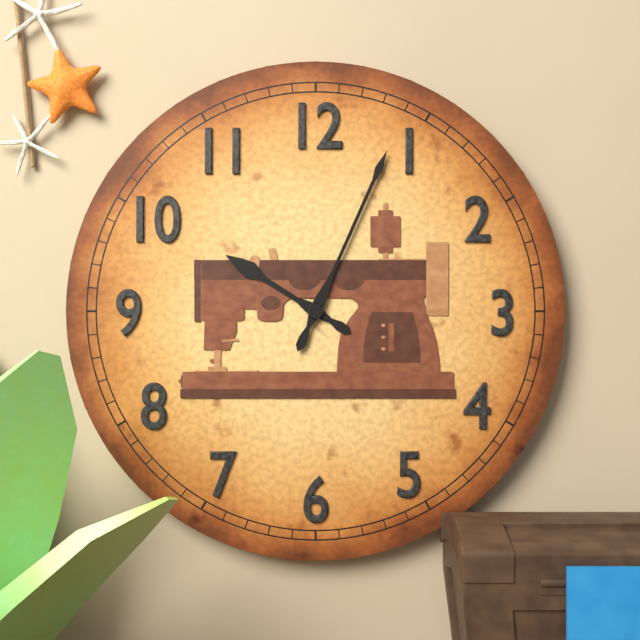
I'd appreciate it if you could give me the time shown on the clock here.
10:04
